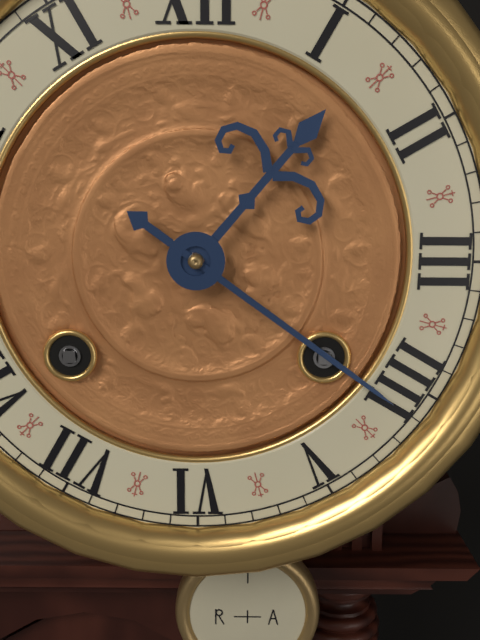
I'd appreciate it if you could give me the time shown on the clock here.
1:21
